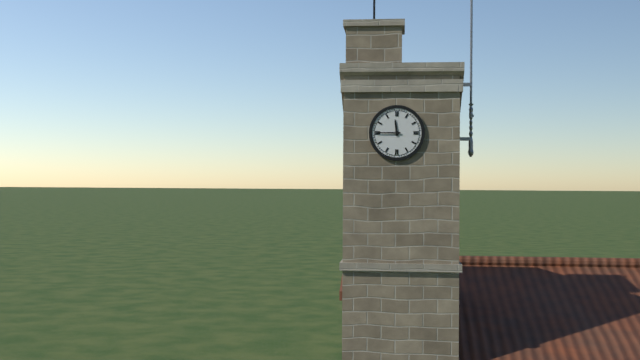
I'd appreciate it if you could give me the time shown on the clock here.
11:45
